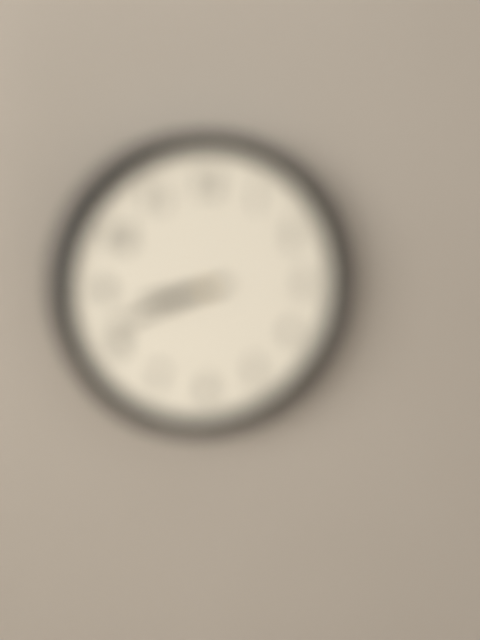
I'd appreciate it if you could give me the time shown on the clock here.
8:42
